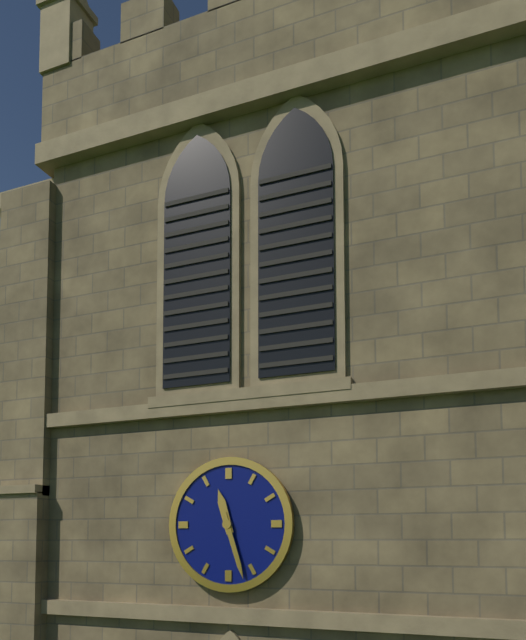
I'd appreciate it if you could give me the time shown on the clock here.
11:27
